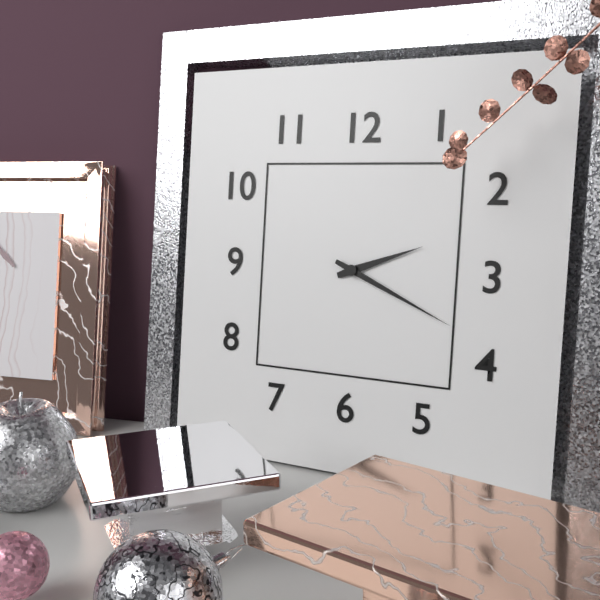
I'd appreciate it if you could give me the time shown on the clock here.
2:19
